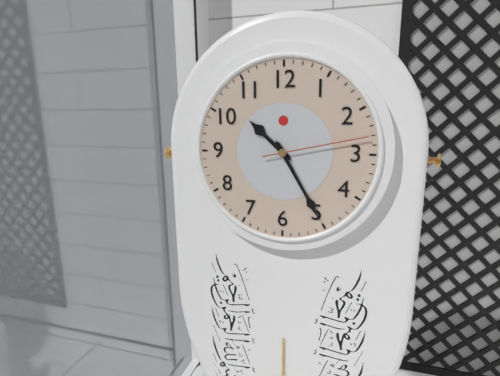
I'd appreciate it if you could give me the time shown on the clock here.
10:25:13
